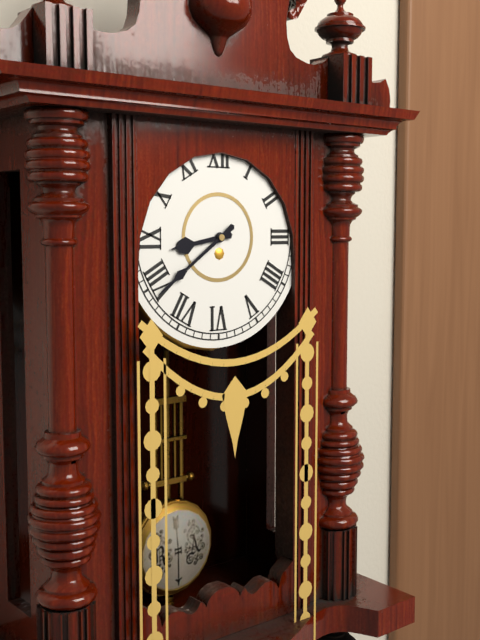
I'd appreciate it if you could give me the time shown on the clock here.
8:39
